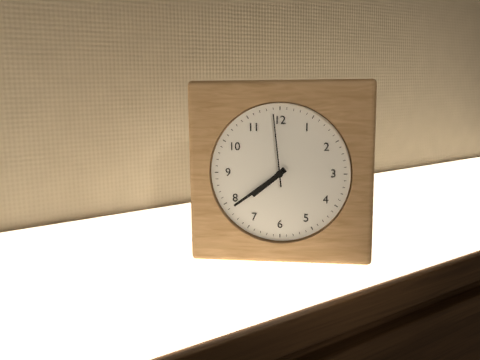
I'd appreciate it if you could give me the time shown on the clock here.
7:39:59
